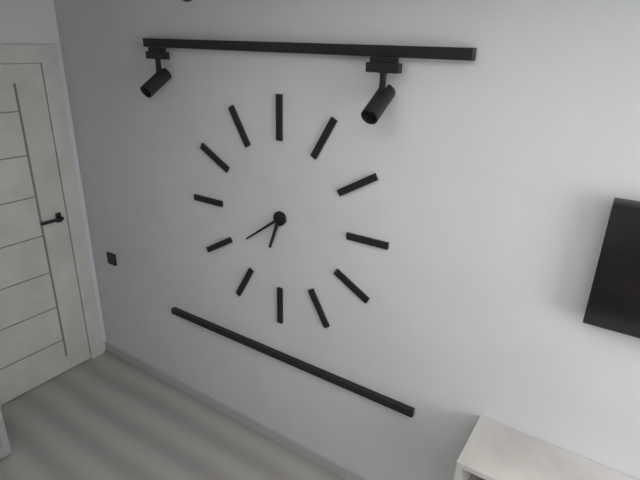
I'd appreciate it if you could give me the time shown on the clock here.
6:39
